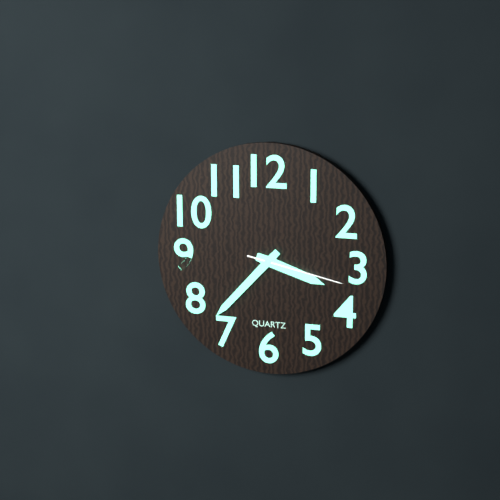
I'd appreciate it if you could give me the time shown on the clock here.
3:37:17
